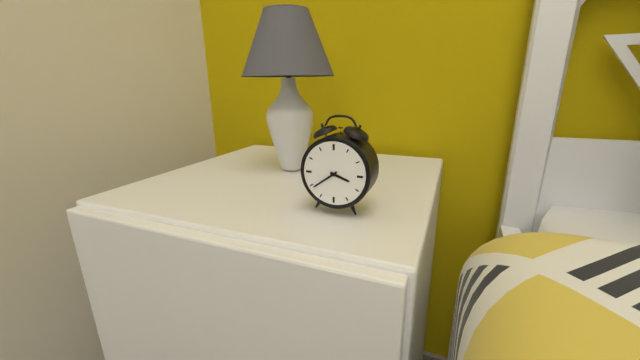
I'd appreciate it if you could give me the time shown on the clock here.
3:39
